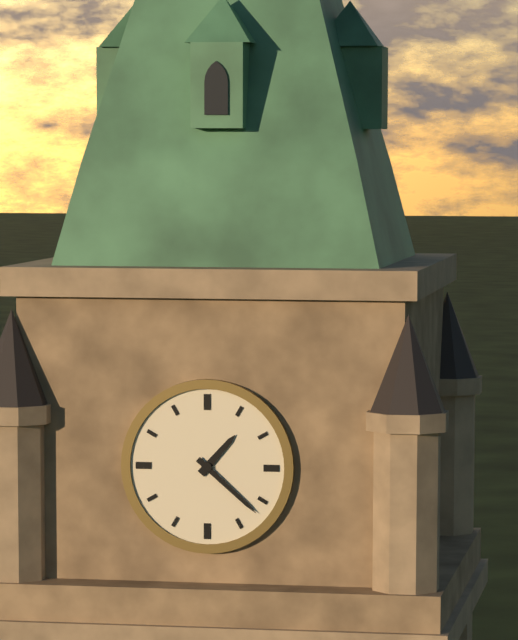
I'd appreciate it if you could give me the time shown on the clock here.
1:22
